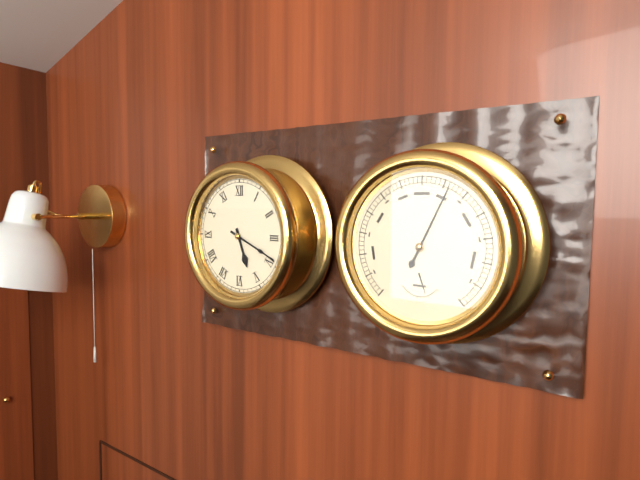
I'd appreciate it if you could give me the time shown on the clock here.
5:19
